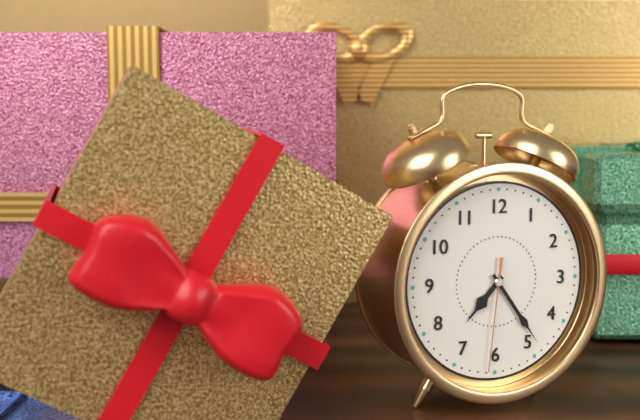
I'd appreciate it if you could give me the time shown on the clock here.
7:24:31
